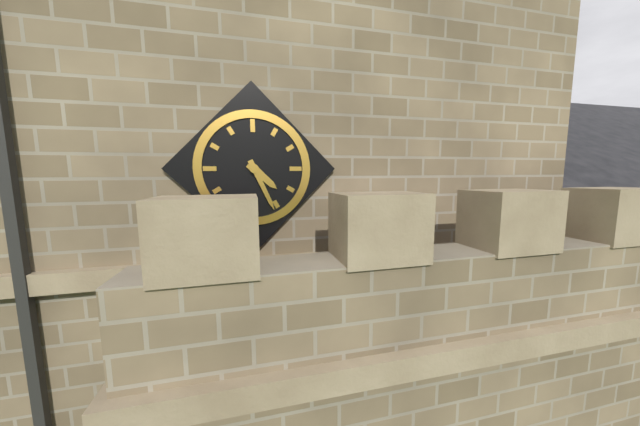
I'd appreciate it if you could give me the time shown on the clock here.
4:26
